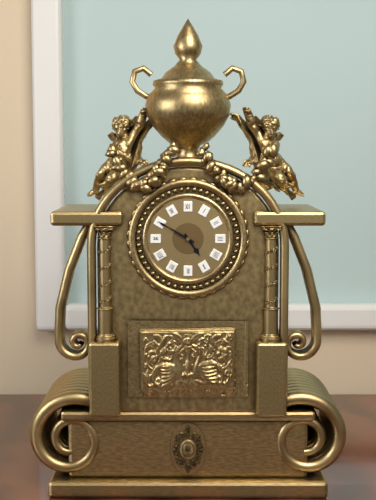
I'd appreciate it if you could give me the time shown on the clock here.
4:50
